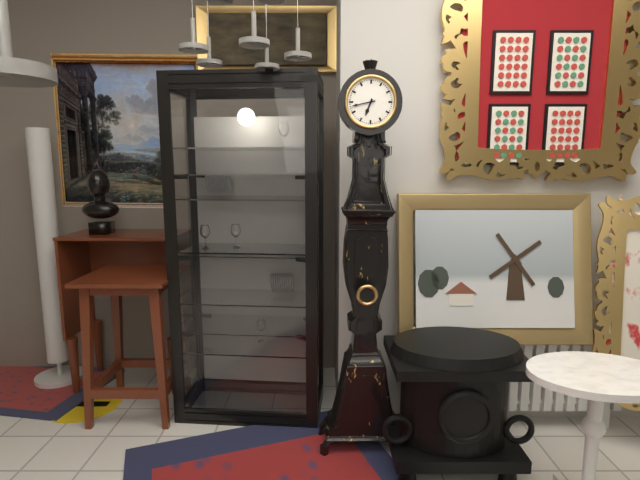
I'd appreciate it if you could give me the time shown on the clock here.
6:43
